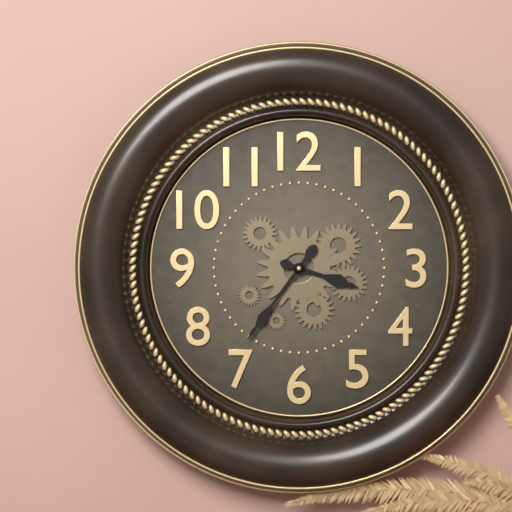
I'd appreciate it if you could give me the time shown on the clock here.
3:36
